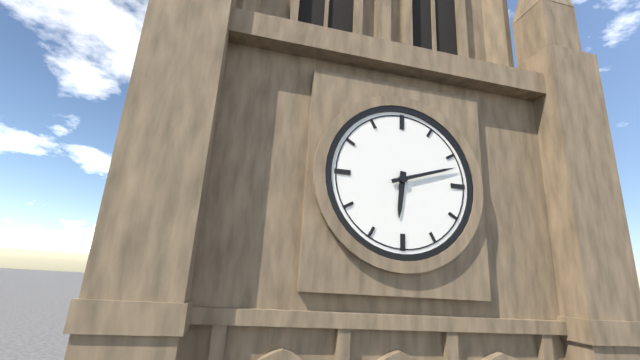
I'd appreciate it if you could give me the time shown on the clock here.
6:12
